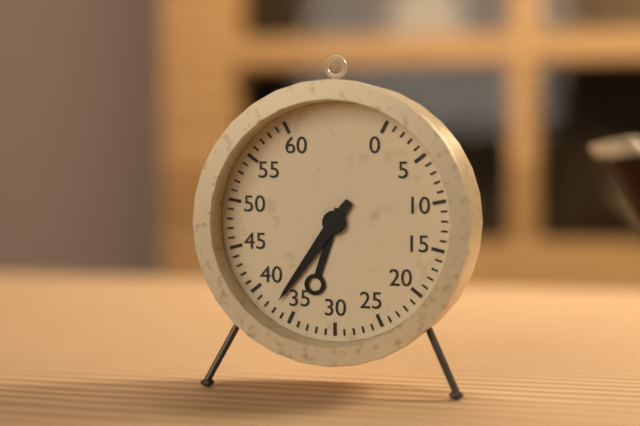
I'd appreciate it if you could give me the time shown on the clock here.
6:36
